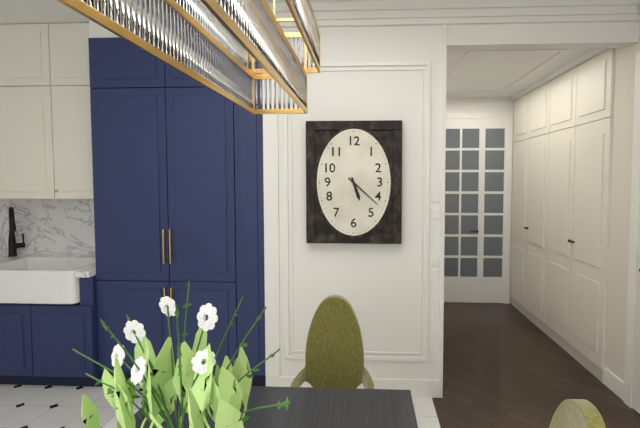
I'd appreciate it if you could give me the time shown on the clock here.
5:22
